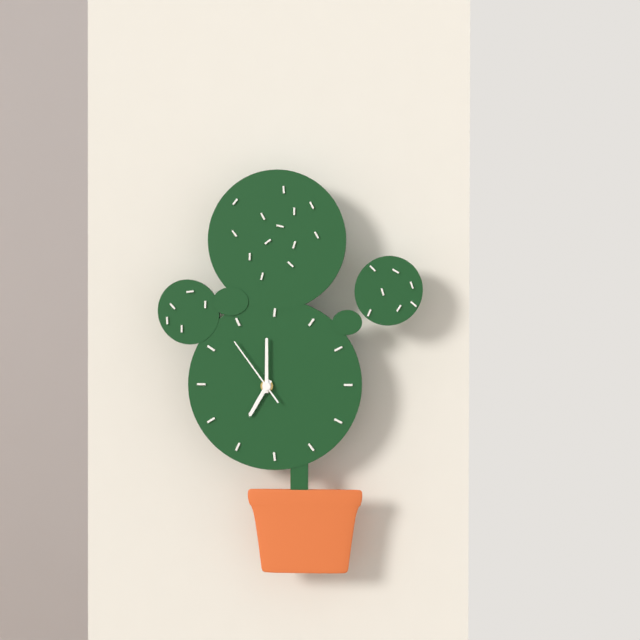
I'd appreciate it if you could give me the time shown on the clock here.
7:00:54
